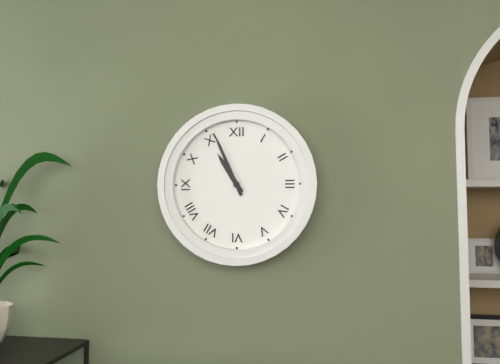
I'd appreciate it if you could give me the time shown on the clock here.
10:56
